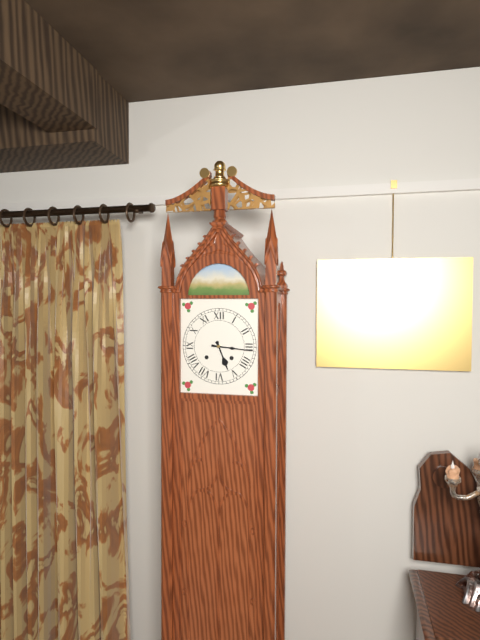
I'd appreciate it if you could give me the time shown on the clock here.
5:16
